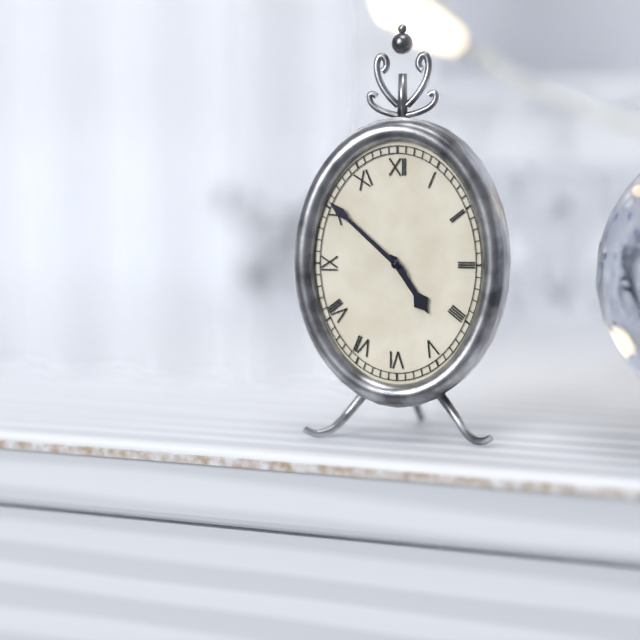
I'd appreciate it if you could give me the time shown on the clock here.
4:52
